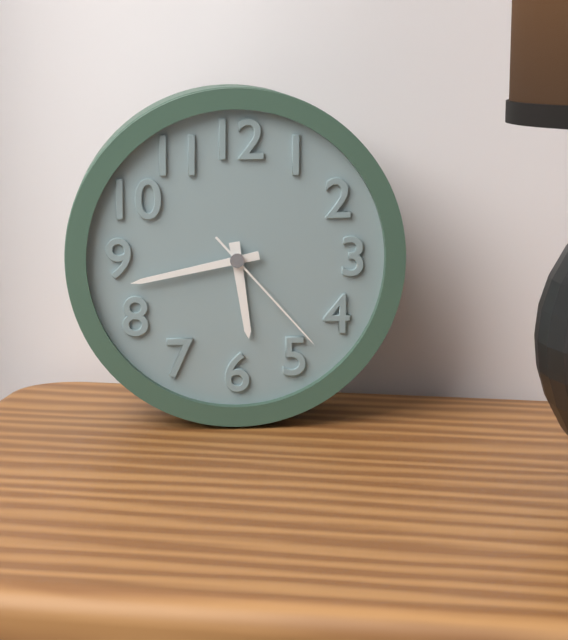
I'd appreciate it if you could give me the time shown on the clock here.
5:43:23
